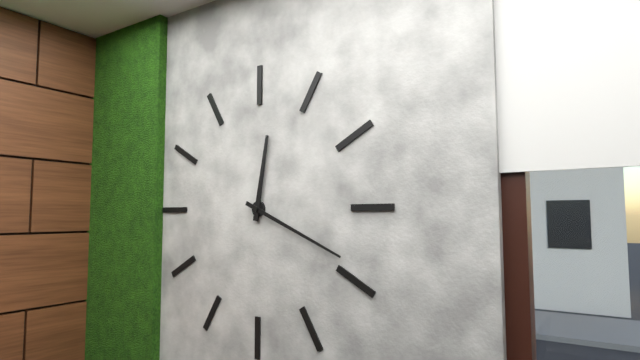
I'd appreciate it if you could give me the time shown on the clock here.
12:19
